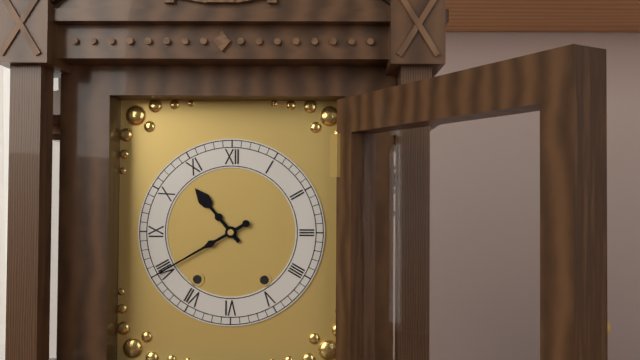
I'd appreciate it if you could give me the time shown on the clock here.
10:40
